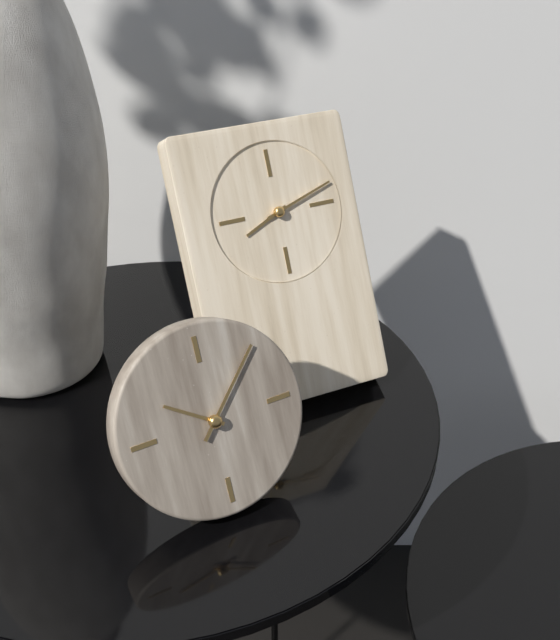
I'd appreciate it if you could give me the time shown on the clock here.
8:12
